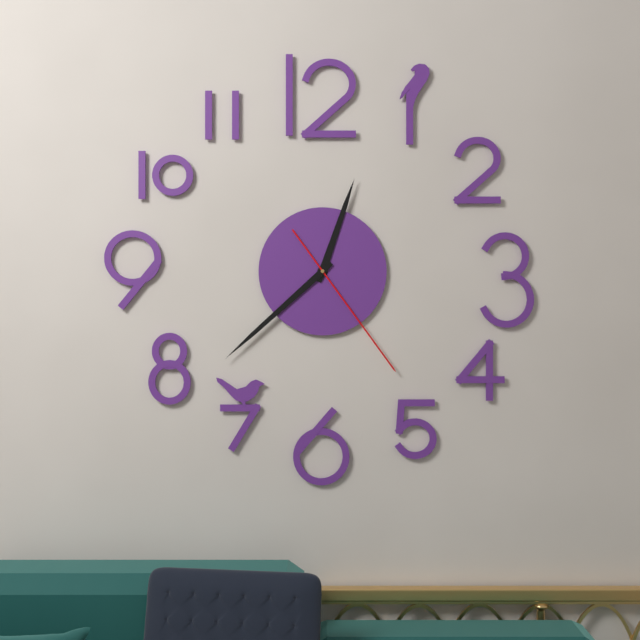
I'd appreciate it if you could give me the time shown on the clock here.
12:38:24
